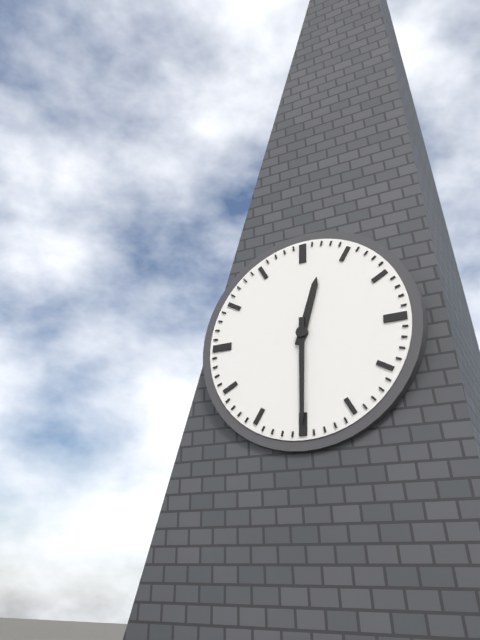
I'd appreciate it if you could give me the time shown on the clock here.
12:30
